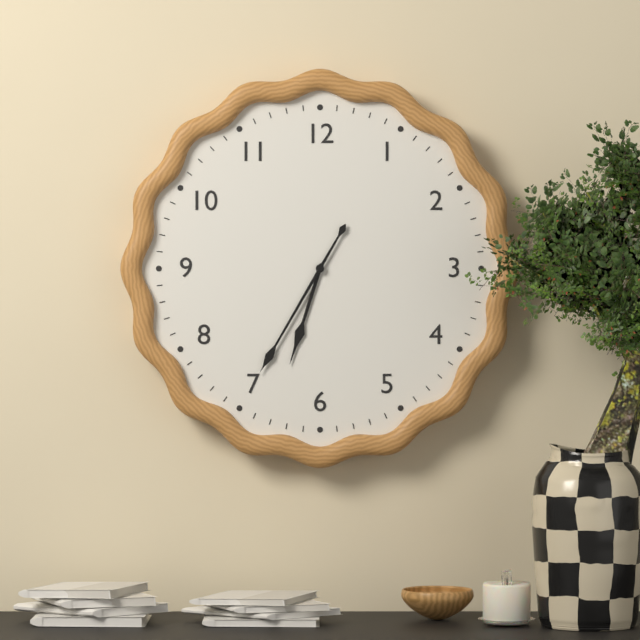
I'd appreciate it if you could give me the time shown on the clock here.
6:35
